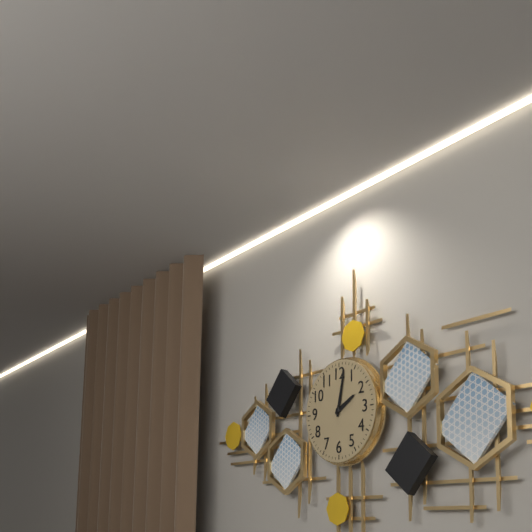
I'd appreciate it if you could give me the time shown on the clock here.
2:02
